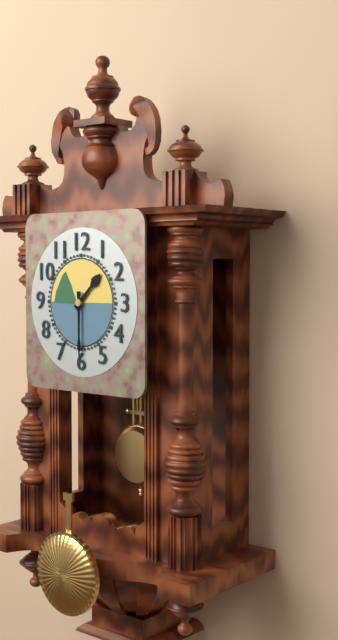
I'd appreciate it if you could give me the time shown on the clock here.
1:30
